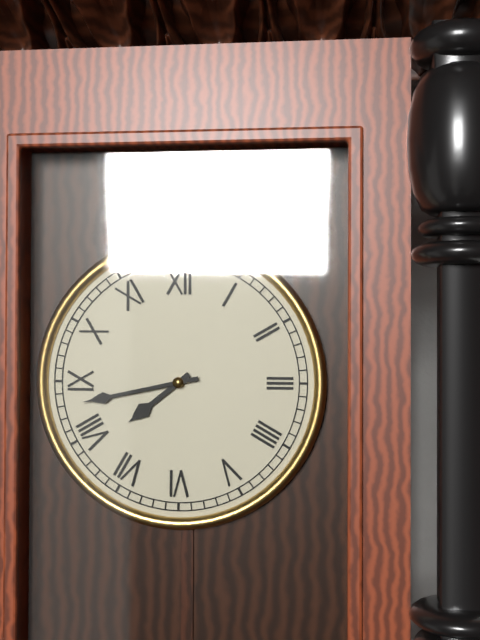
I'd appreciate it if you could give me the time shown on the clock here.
7:43
